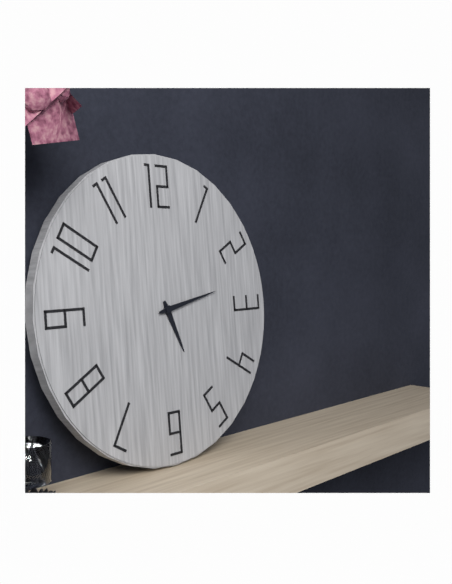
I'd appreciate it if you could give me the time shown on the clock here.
5:13
